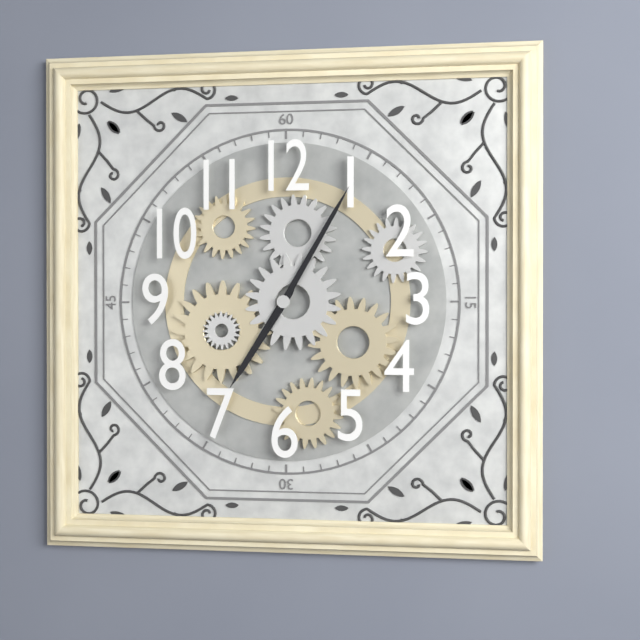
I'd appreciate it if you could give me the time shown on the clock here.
7:05
